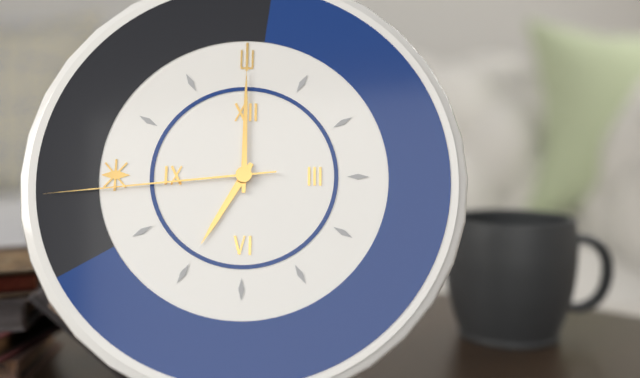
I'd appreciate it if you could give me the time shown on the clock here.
7:00:44
